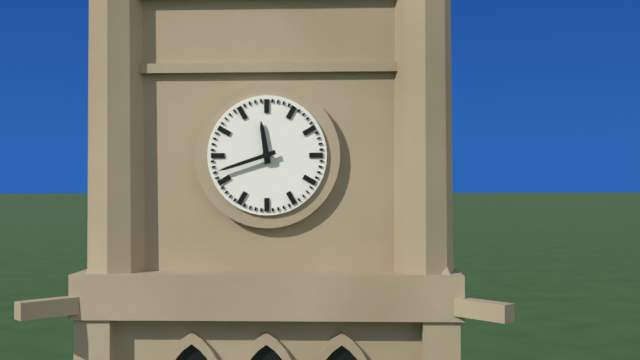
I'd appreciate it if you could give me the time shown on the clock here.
11:42
